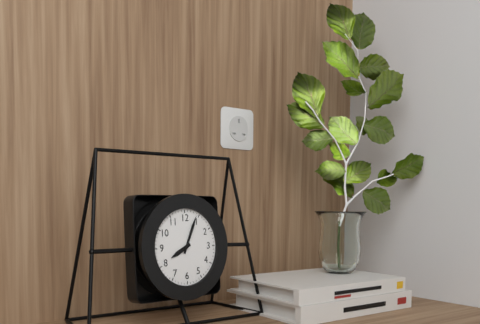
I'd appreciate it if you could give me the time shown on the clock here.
8:04
